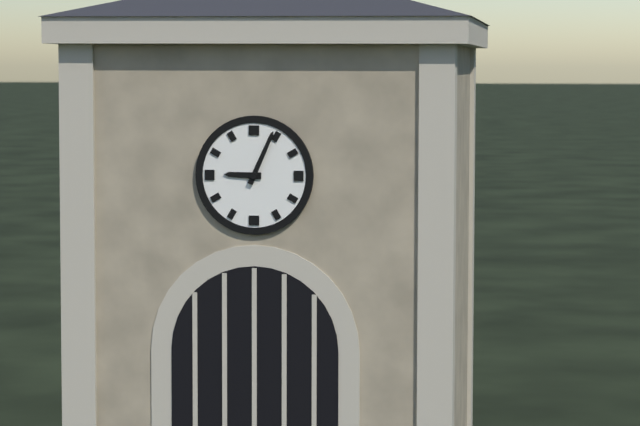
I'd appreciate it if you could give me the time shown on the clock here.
9:04
